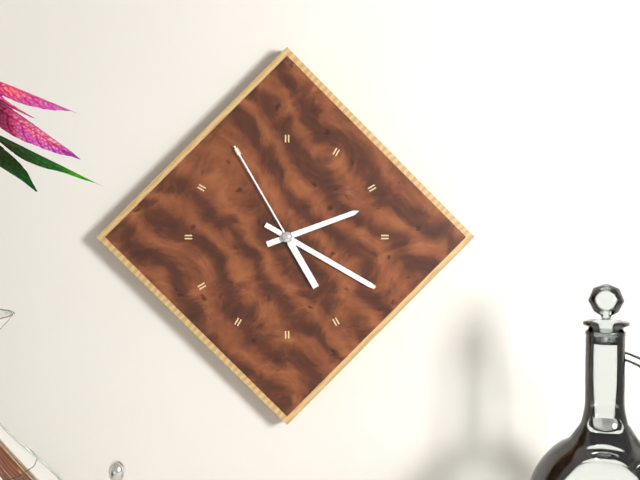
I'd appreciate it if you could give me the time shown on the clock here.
2:20:55
